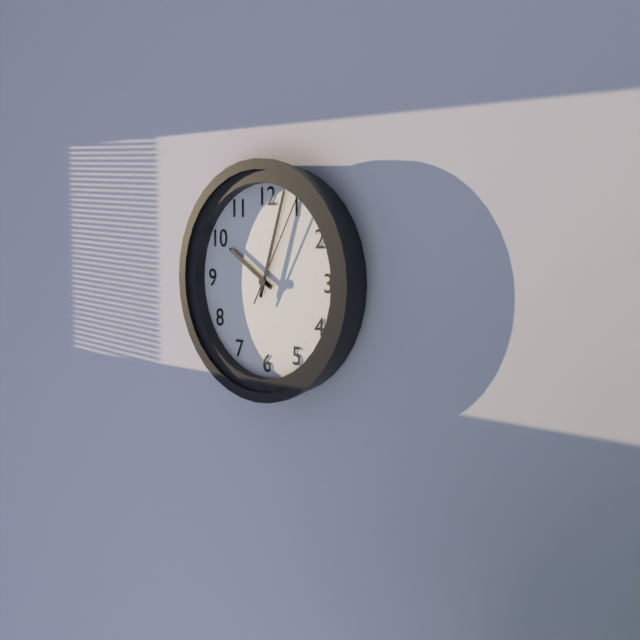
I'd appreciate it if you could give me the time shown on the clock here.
10:03:05
